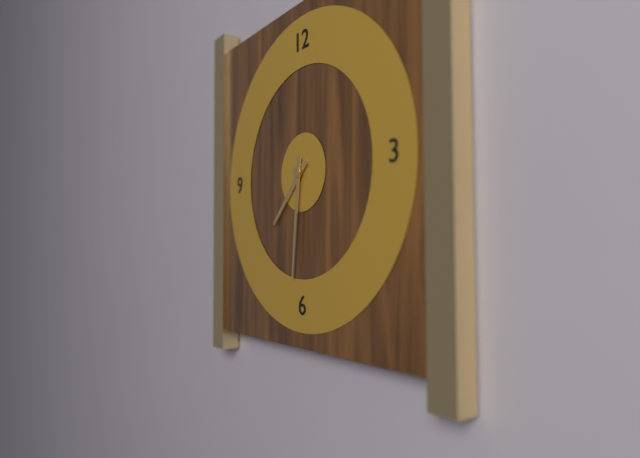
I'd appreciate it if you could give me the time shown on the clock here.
7:31
